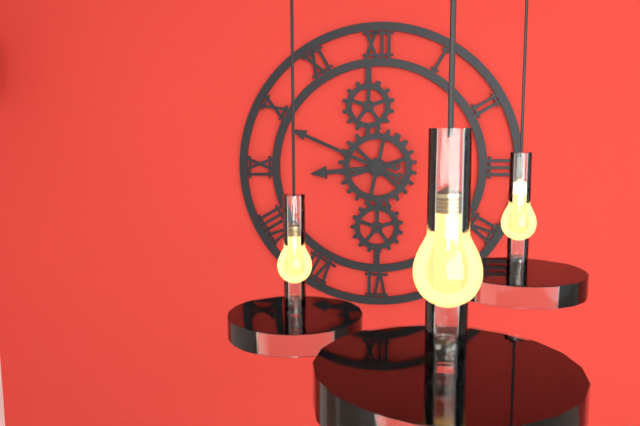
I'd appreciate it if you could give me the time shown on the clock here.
8:49
